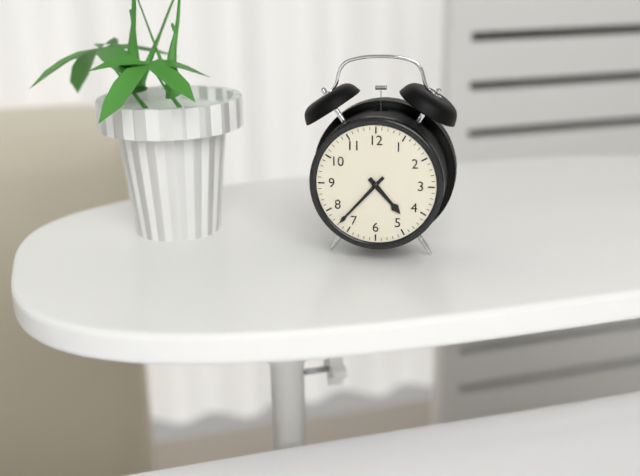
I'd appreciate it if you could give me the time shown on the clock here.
4:37
